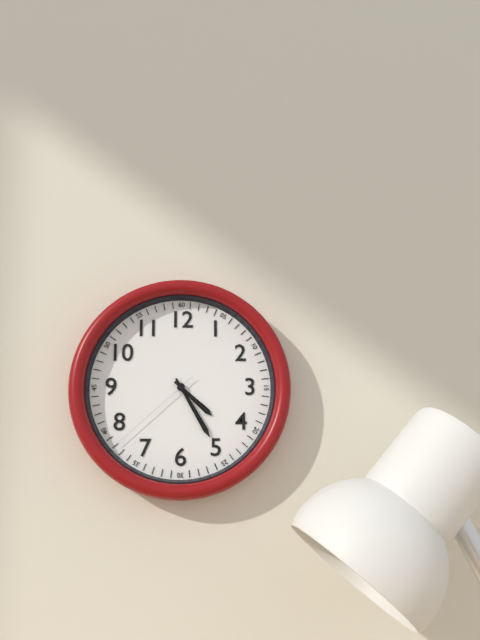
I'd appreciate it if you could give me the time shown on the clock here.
4:25:38
